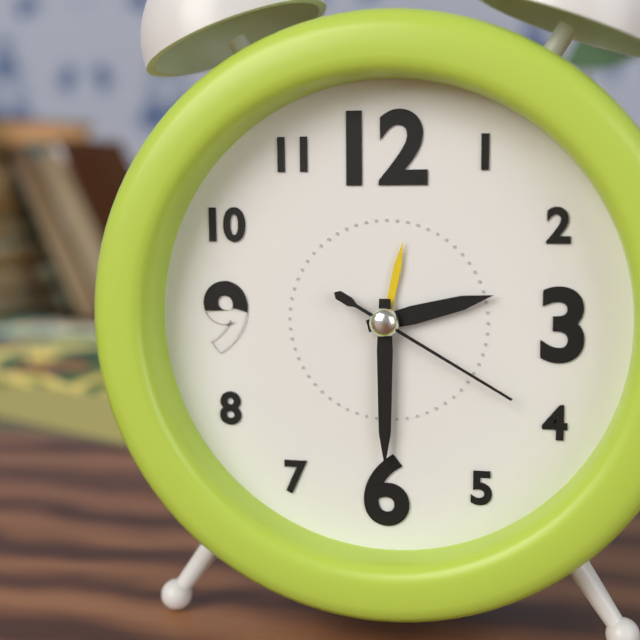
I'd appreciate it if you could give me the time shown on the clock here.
2:30:20
